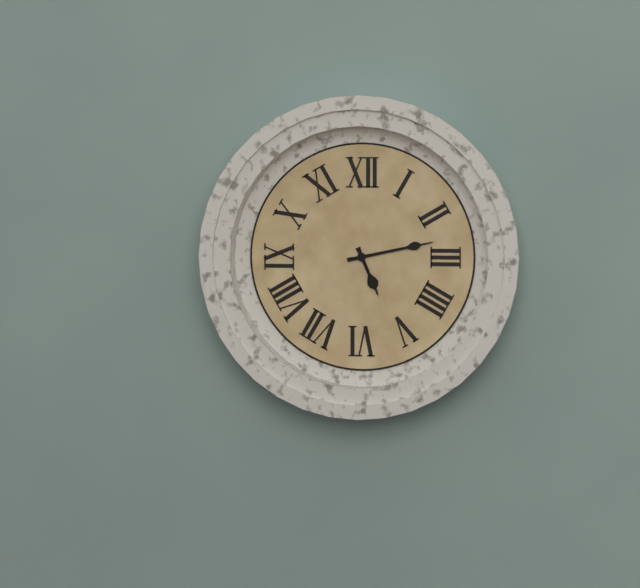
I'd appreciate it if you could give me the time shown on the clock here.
5:13
